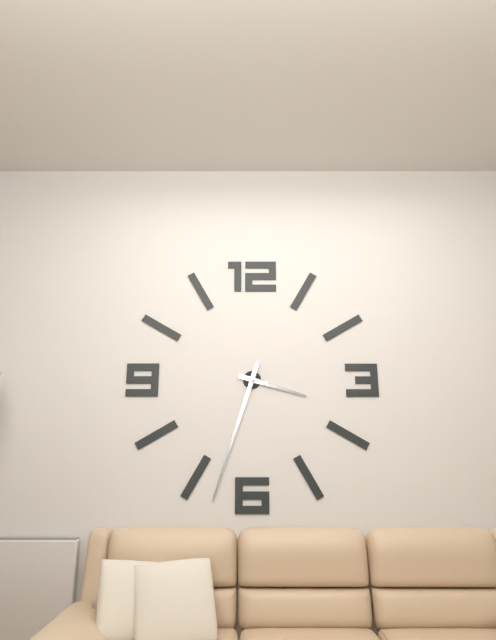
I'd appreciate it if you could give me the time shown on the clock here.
3:33
